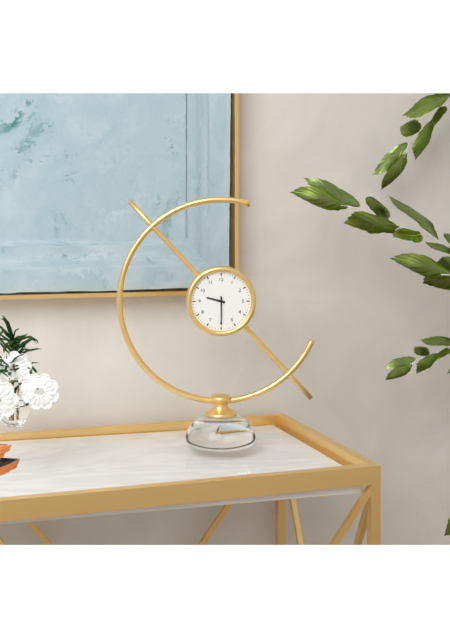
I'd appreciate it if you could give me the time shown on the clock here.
9:30
